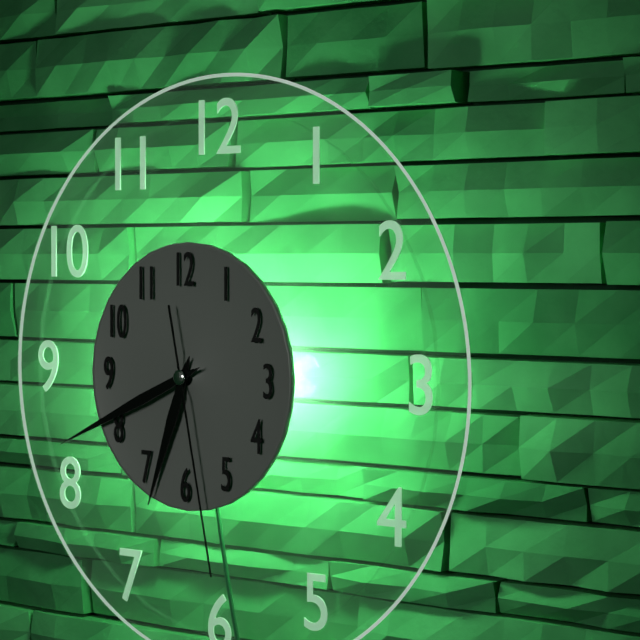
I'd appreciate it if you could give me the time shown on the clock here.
6:41:28
